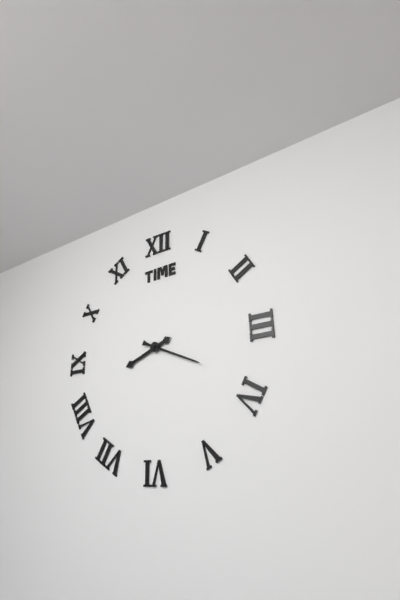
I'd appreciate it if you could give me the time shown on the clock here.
8:19
